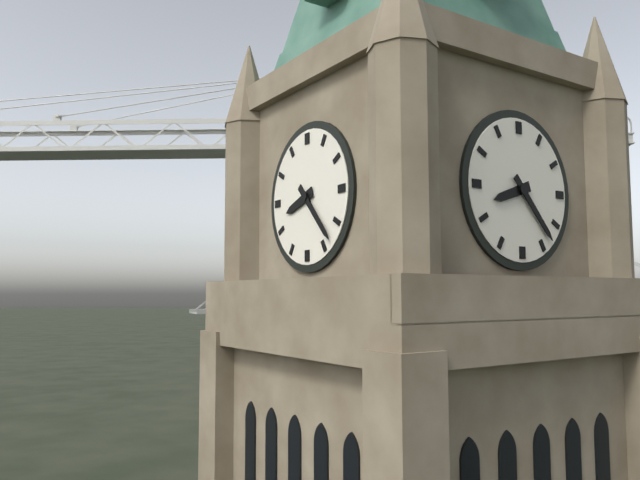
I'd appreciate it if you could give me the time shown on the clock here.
8:23
